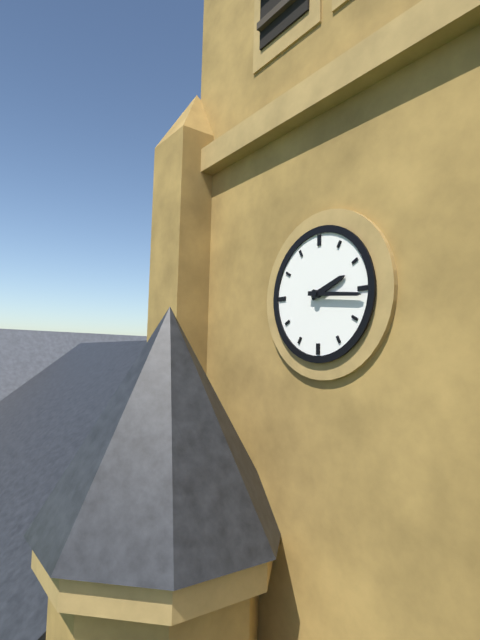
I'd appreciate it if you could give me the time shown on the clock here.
2:16
